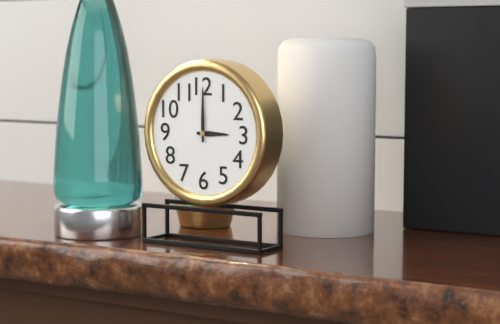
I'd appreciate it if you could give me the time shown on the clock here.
3:00
